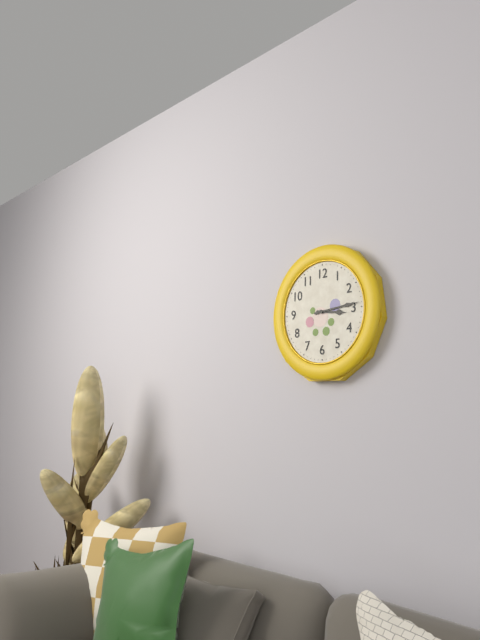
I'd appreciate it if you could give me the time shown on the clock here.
3:14
